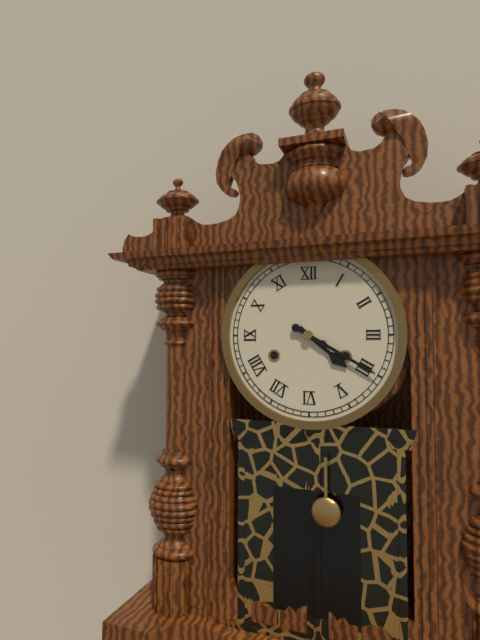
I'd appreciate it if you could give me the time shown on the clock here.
4:20
